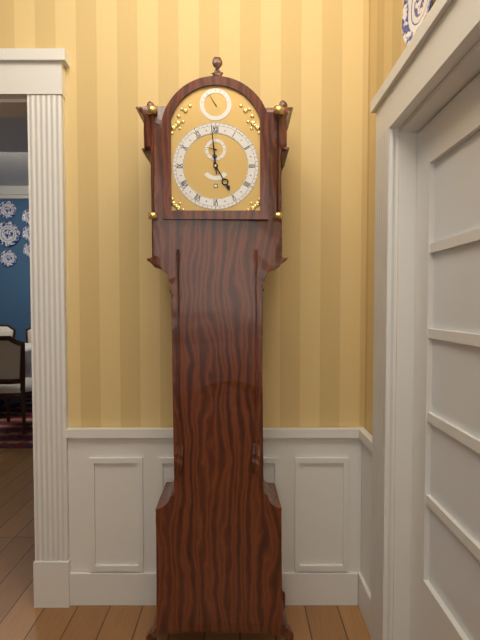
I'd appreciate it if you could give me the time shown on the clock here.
4:59
